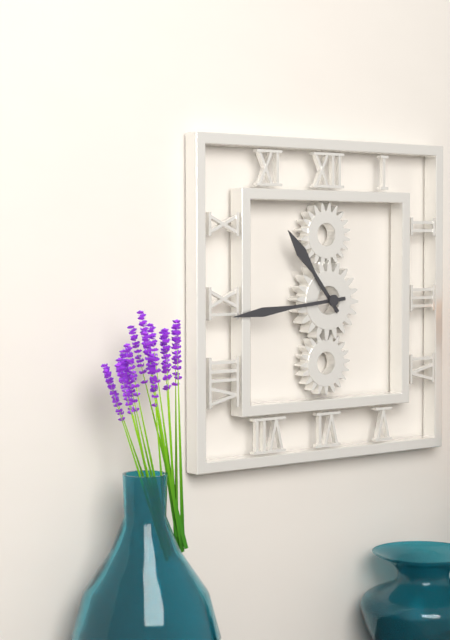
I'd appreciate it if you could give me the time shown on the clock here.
10:44
